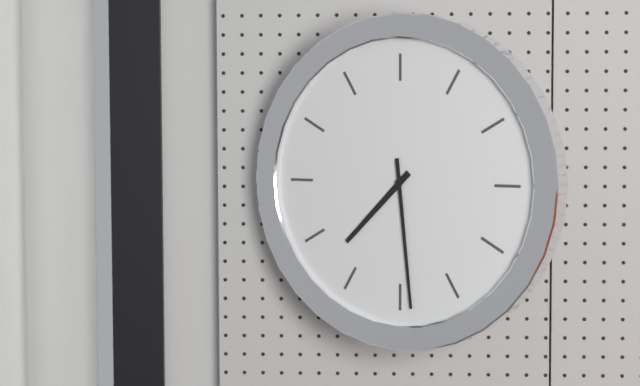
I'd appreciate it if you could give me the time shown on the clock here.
7:29
